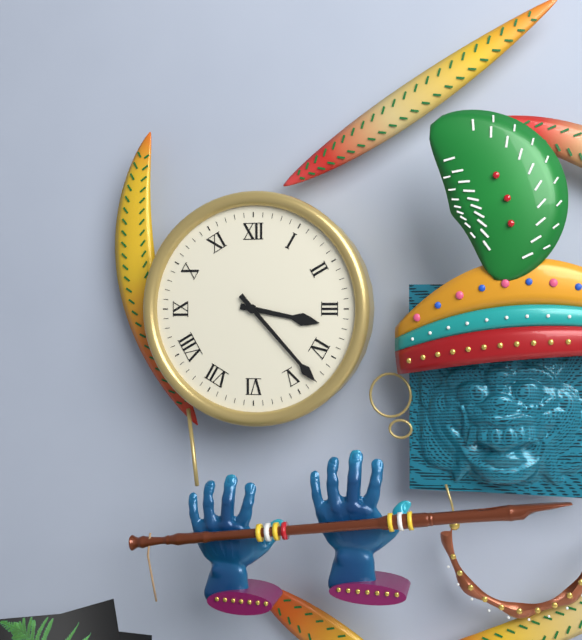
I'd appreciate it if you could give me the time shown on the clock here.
3:23
